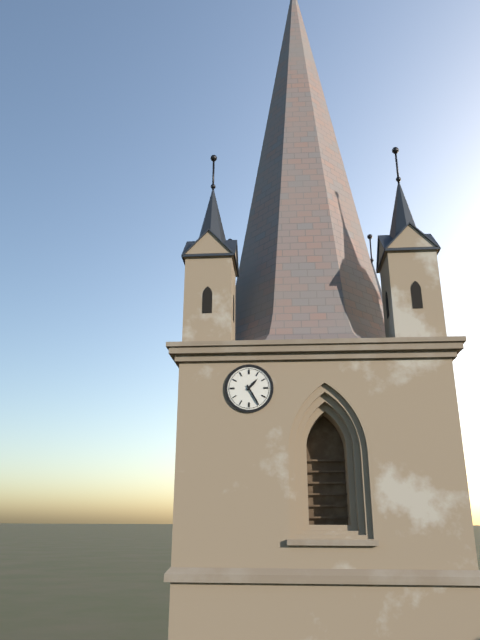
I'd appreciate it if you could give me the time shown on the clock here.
1:25
